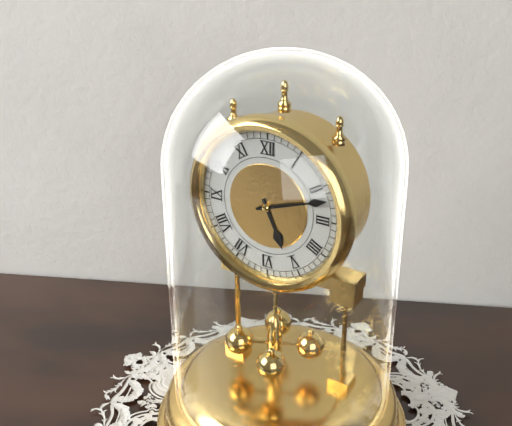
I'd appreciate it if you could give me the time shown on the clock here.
5:12
